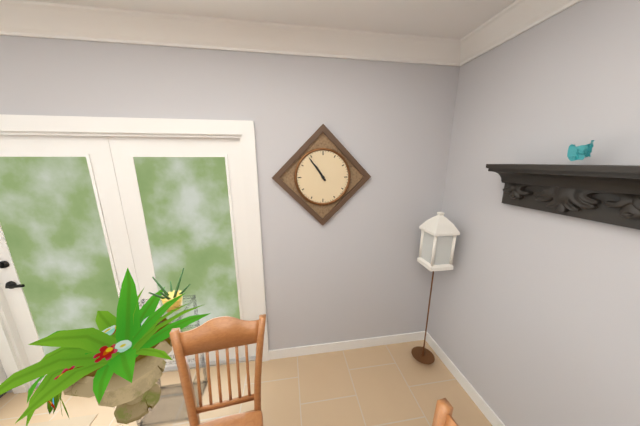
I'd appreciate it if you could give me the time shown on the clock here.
10:54
